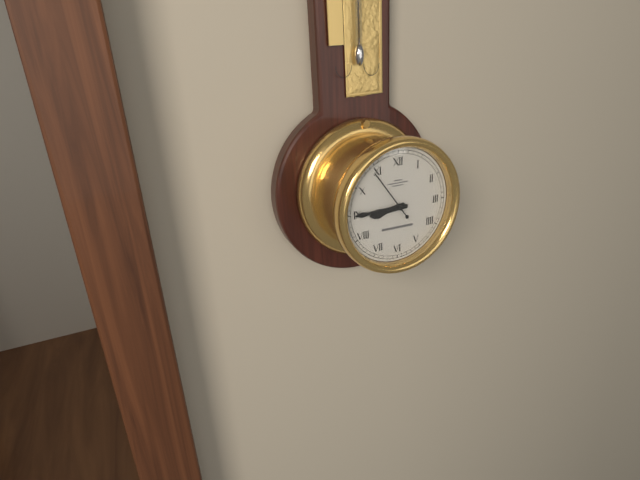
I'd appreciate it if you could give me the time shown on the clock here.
8:45:54
